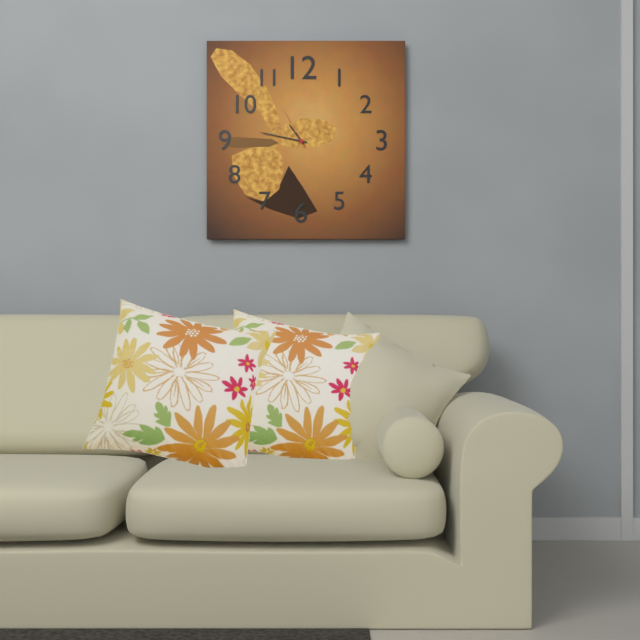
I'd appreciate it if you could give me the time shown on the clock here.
10:47
